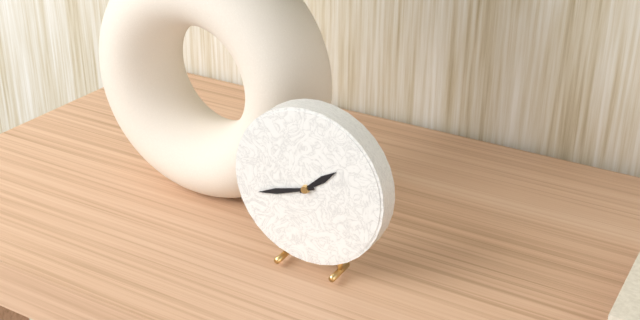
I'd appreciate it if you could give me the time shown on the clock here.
1:42
